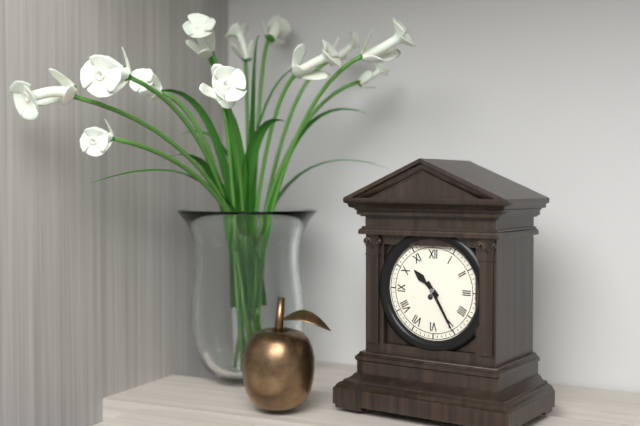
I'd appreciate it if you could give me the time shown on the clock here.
10:25
